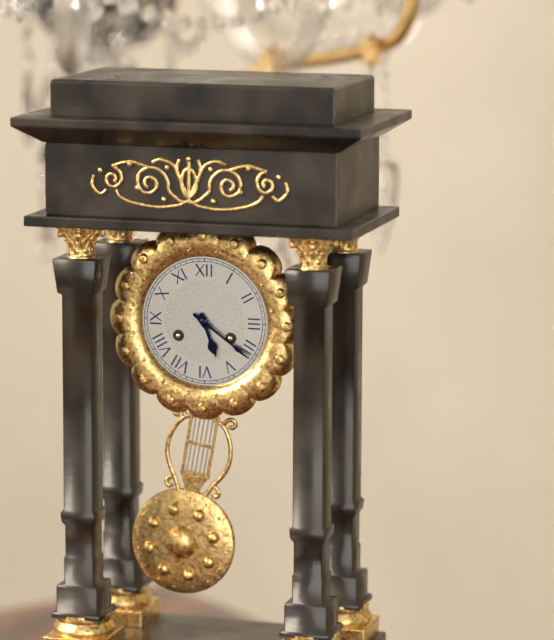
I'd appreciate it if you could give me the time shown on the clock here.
5:21
